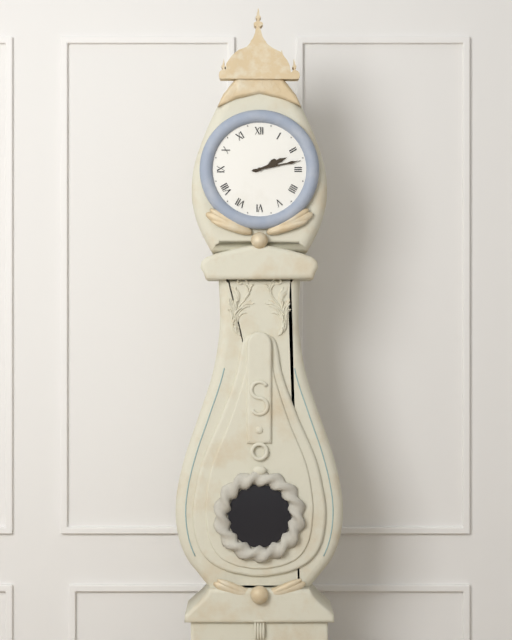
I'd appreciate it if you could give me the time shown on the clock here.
2:13
